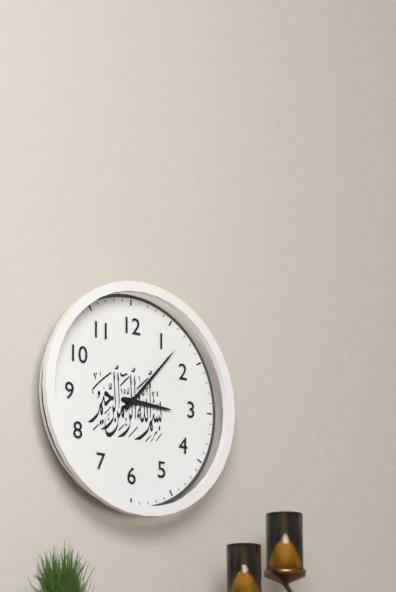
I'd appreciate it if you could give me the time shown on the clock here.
3:07
